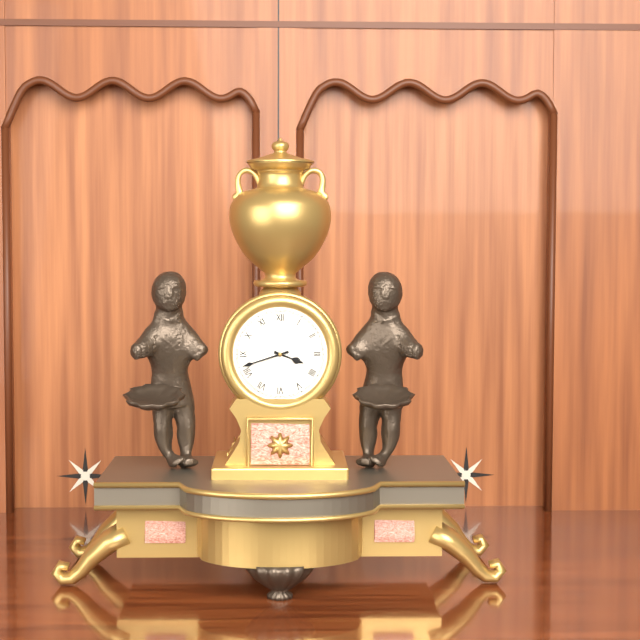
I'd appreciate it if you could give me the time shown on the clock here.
3:42
